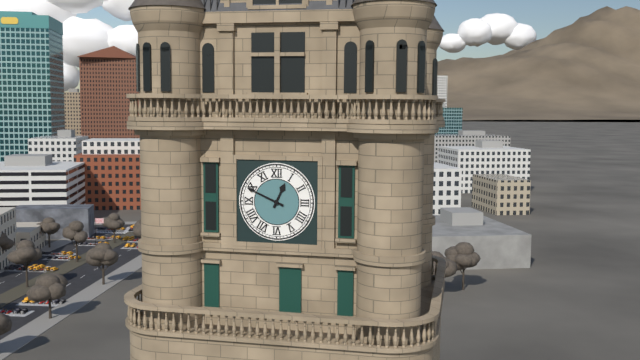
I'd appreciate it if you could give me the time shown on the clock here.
12:49
